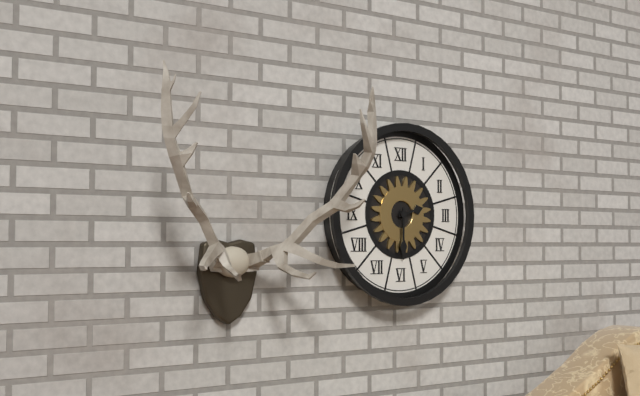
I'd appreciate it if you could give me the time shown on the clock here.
2:30
